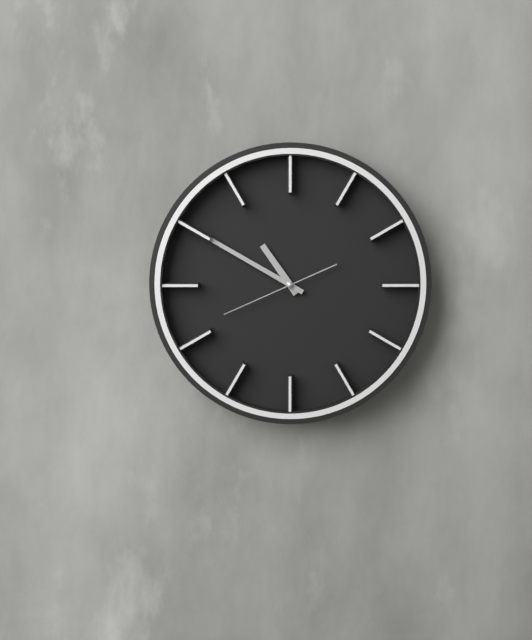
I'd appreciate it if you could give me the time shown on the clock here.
10:50:41
